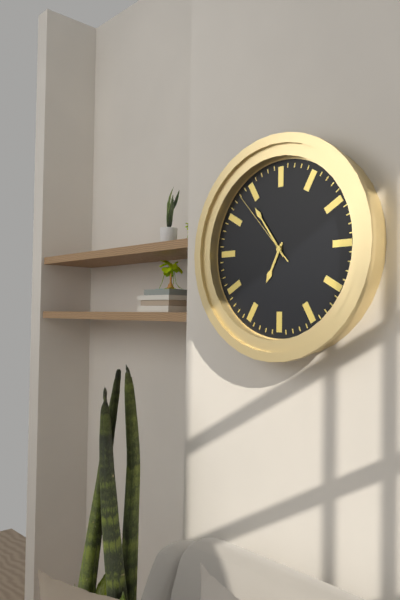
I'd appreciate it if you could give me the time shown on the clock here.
6:54:53
